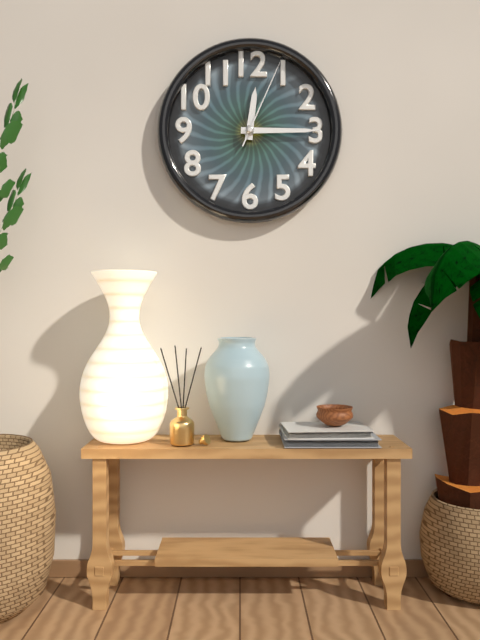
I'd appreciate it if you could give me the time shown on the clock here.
12:15:04
